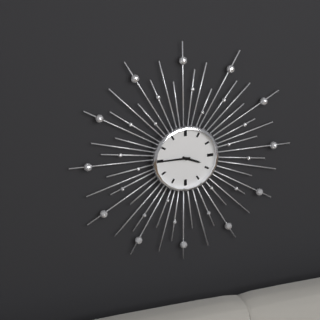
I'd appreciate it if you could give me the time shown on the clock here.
3:45
